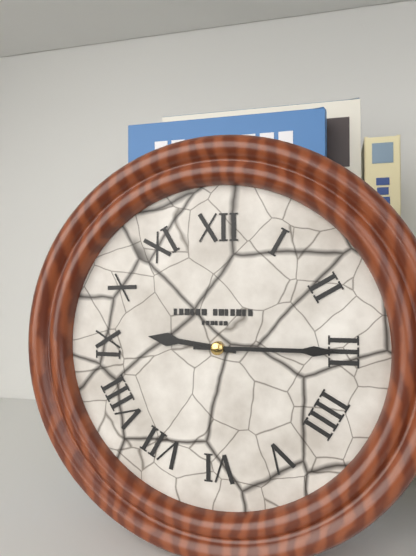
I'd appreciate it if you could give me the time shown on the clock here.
9:15
